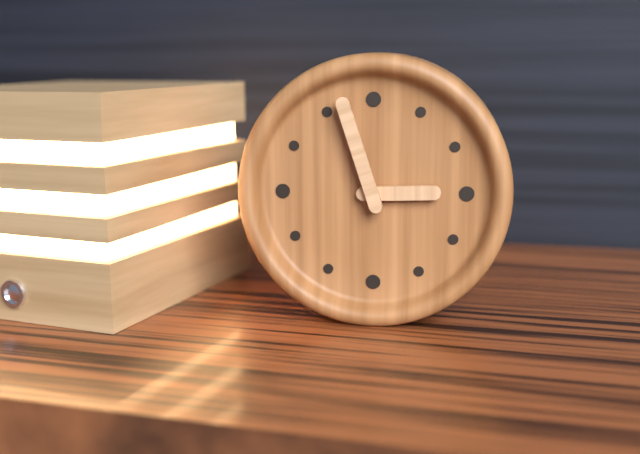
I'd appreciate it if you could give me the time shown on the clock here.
2:57
